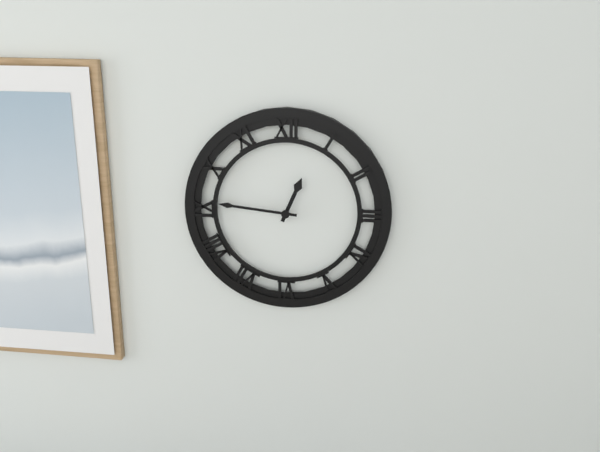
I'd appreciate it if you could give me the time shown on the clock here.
12:46
